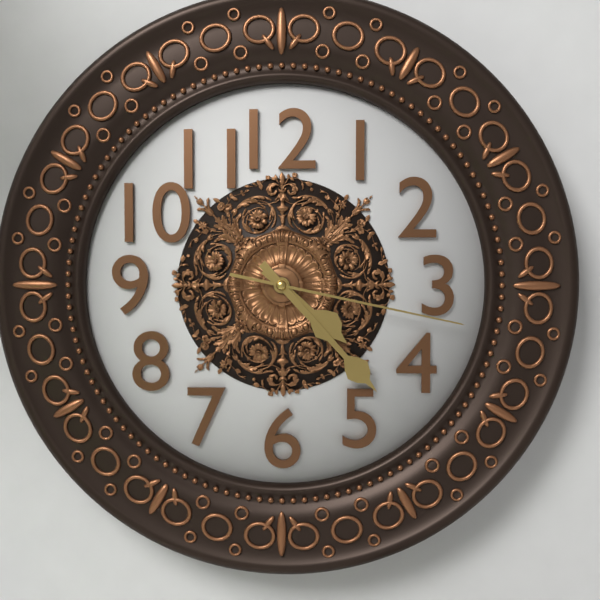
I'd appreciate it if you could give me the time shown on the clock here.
4:23:17
